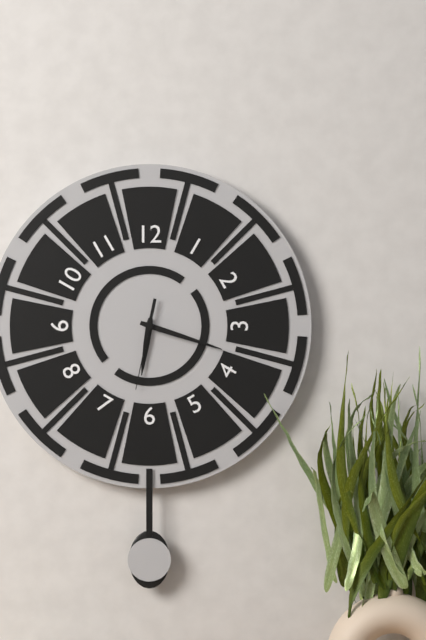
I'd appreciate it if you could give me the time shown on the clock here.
6:18:32
